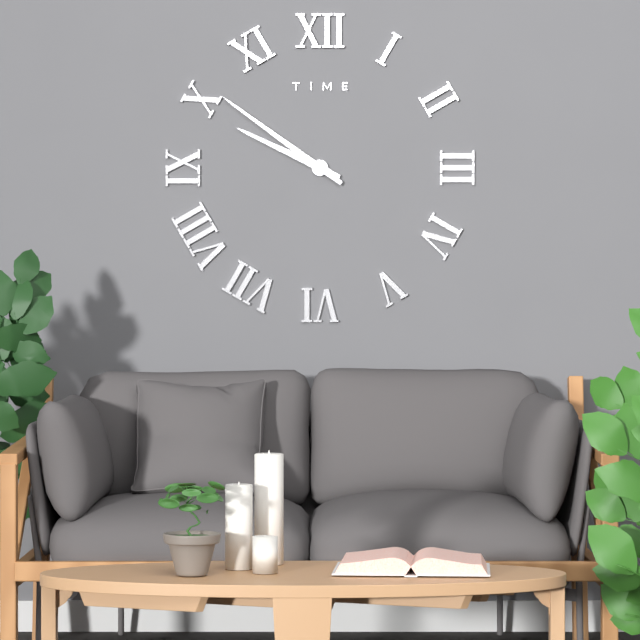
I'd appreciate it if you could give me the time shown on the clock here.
9:51
